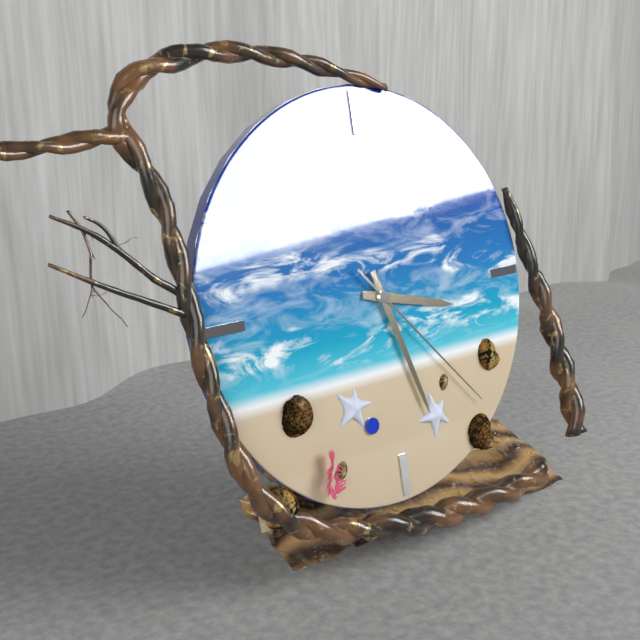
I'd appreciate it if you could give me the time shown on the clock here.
3:27:23
